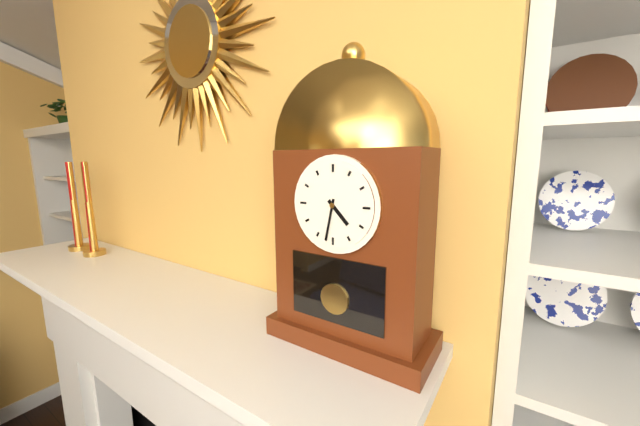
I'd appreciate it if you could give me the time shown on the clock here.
4:32
